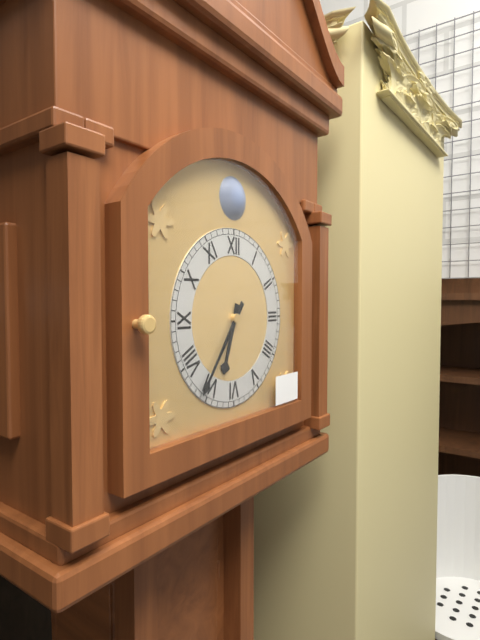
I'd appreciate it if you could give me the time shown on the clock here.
6:36
